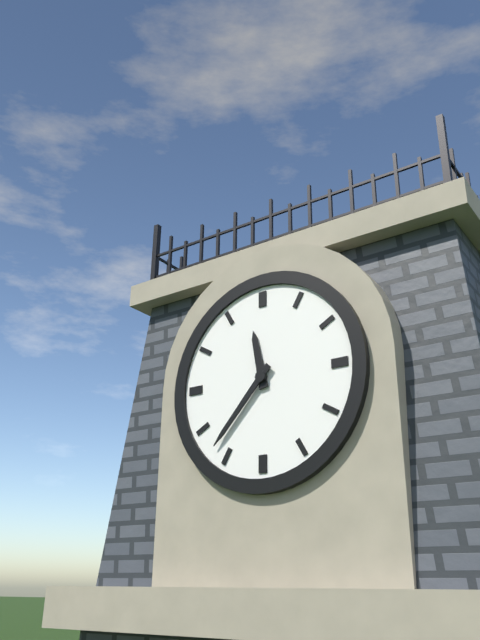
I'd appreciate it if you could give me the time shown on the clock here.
11:37
